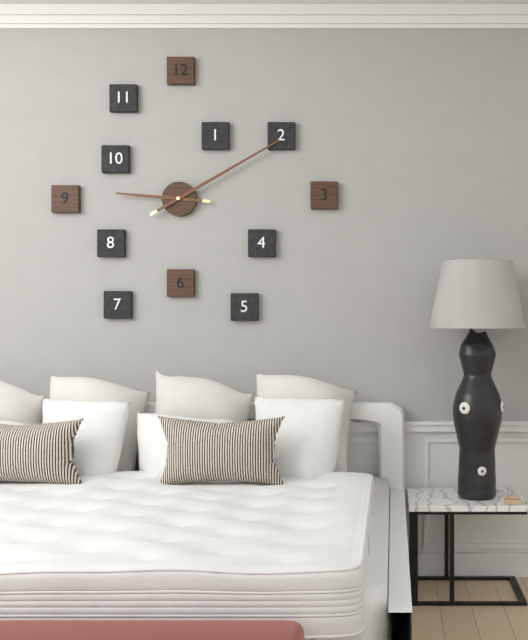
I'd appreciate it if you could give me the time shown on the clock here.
9:10
